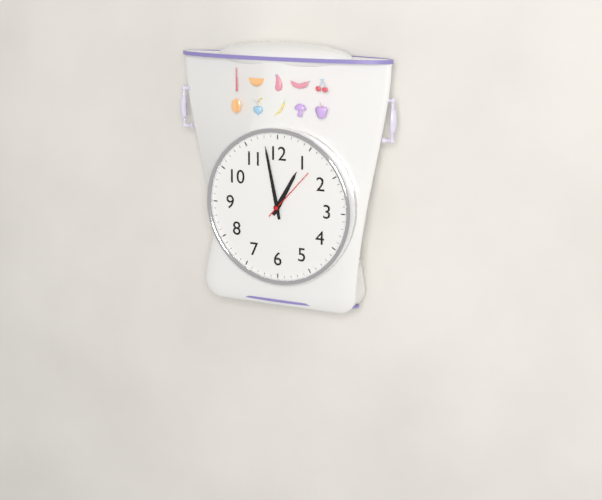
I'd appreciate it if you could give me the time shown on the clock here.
12:58:07
